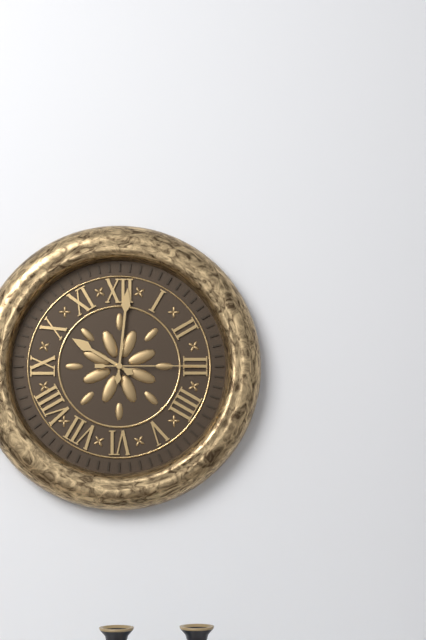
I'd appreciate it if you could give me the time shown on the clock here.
10:01:15
